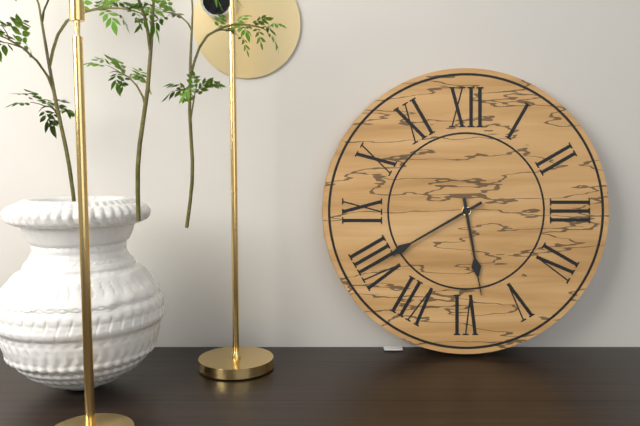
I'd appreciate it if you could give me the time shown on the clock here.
5:40
